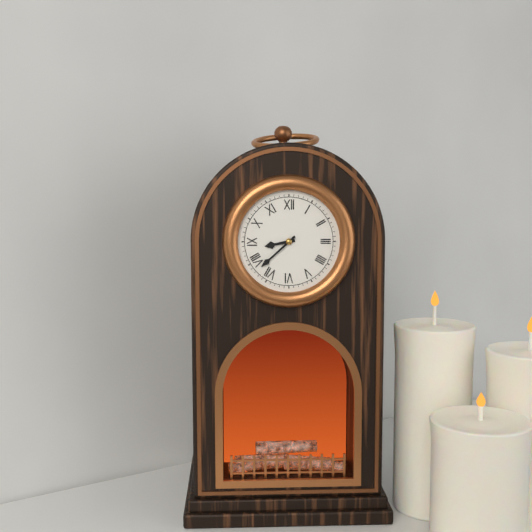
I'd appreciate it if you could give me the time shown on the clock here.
8:38
